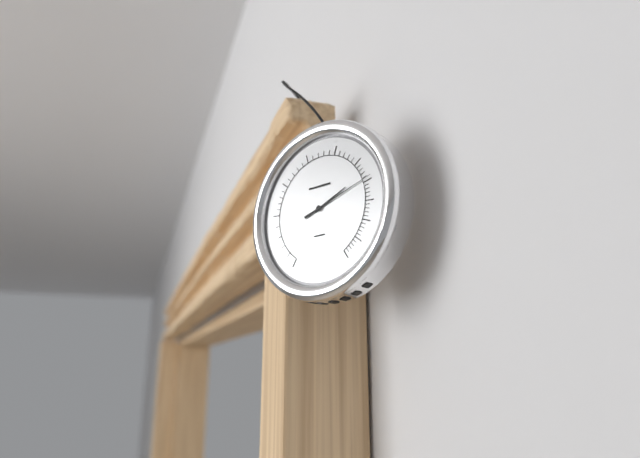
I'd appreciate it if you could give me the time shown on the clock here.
2:12
